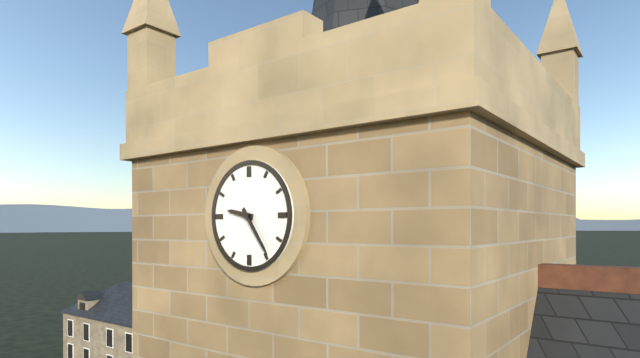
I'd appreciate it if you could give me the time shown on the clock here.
9:24
